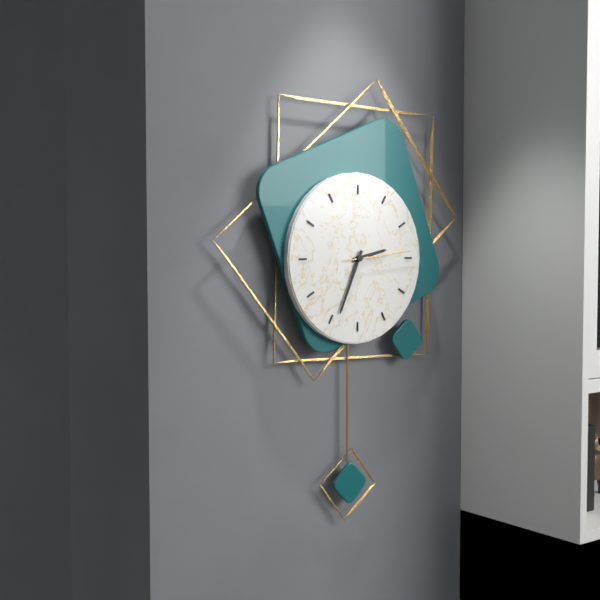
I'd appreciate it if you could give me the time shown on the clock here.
2:34:14
